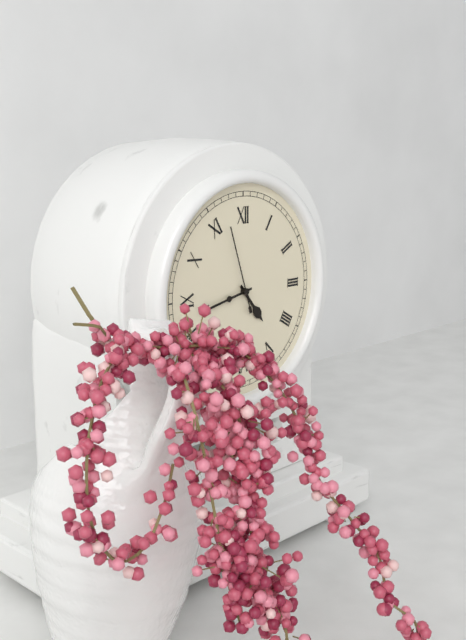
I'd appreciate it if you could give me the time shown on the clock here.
4:43:57
